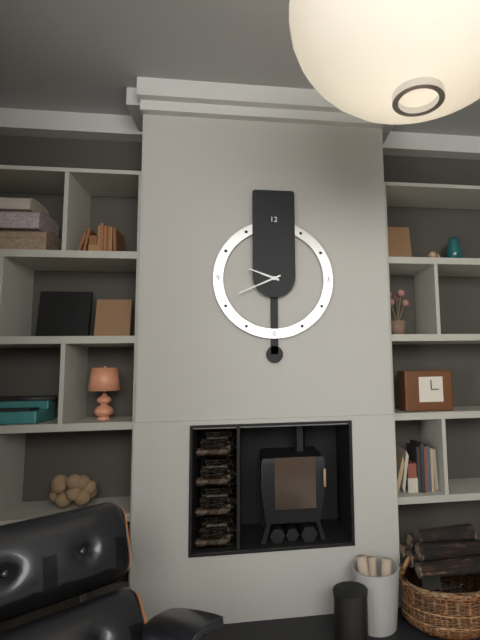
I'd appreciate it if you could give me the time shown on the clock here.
9:41
